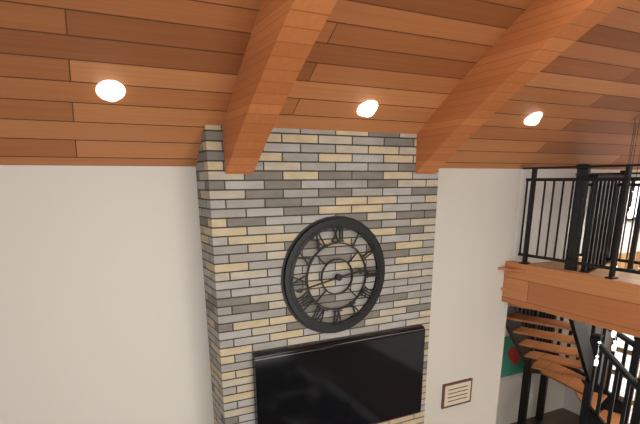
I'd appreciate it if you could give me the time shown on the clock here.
2:43
